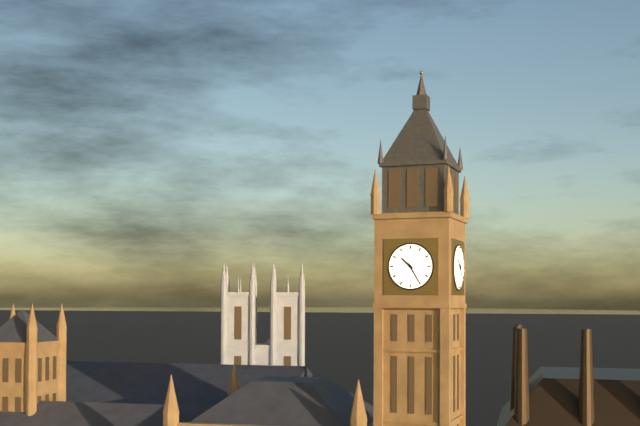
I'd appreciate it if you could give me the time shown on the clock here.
10:25
